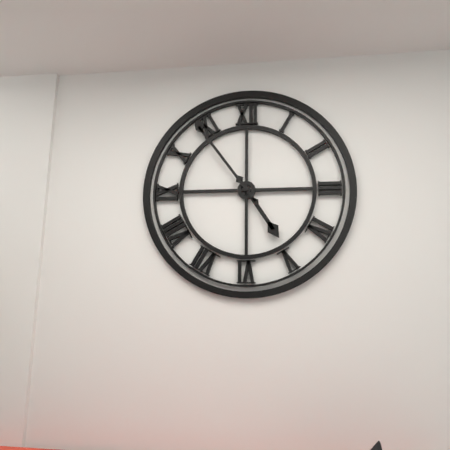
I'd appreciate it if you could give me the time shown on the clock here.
4:54
